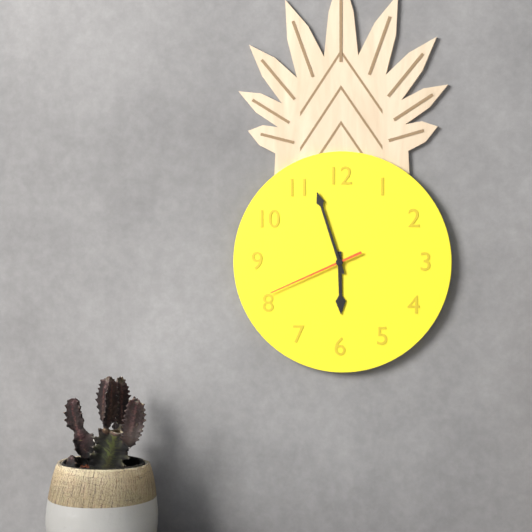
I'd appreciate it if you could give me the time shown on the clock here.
5:57:41
